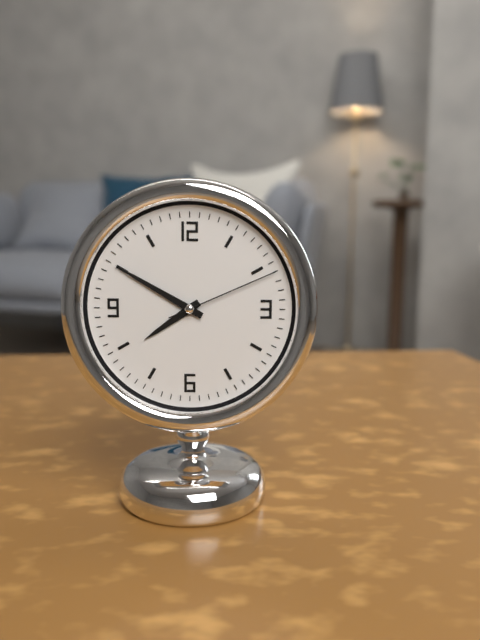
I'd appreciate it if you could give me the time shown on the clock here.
7:50:11
